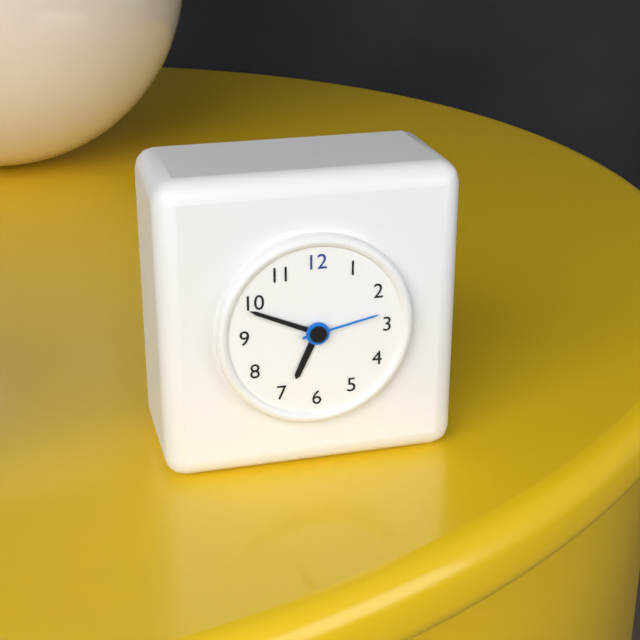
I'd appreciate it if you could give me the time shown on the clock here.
6:49:13
